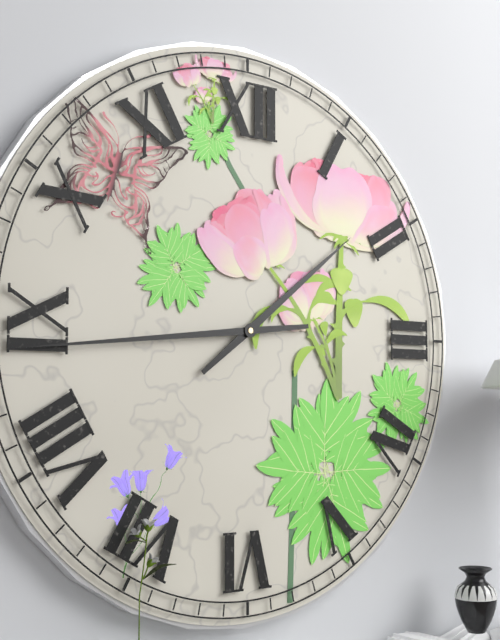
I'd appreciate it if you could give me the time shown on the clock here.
1:44
